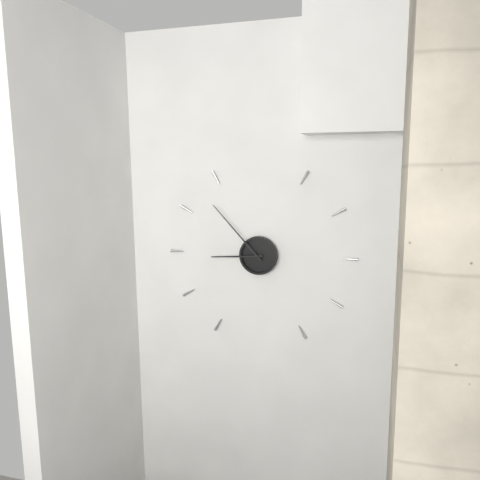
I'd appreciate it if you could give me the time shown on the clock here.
8:53
